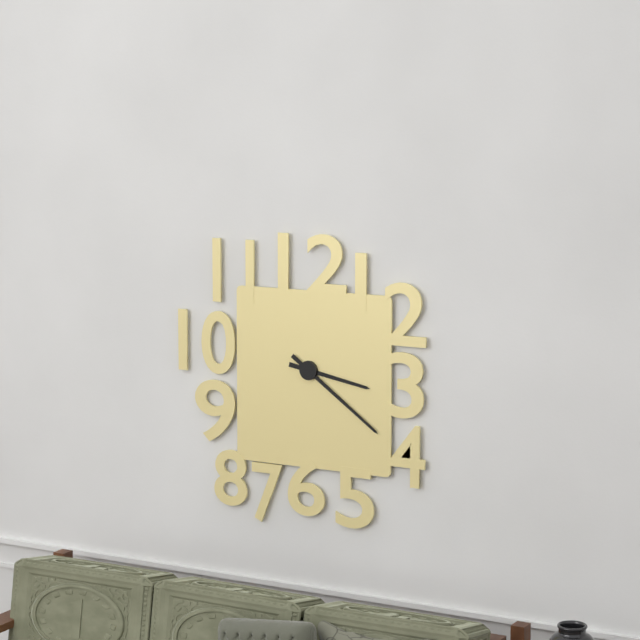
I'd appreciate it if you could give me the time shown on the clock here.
3:21
